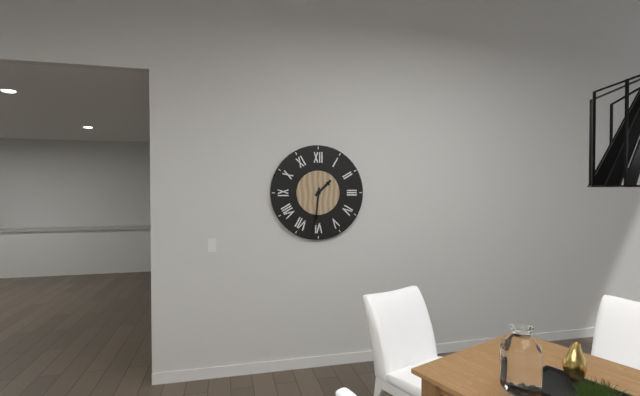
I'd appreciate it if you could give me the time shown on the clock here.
1:31
